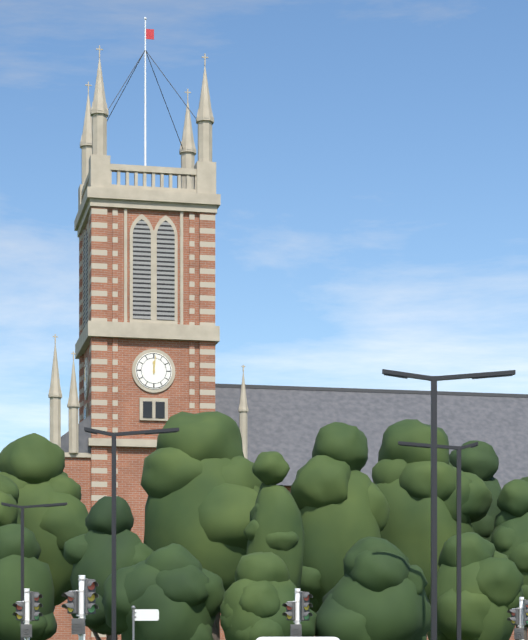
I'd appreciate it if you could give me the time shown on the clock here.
12:01
